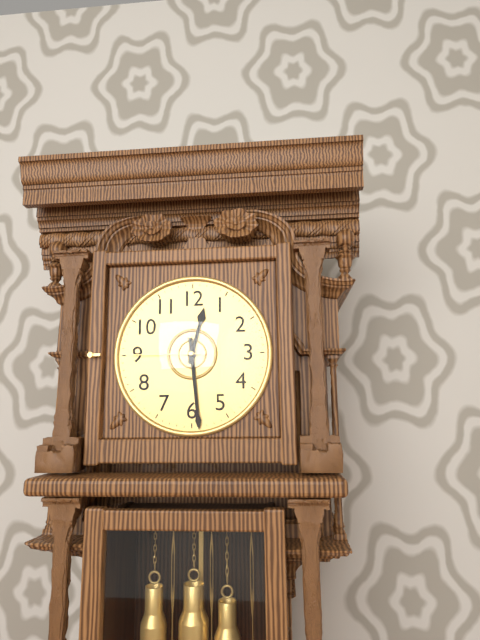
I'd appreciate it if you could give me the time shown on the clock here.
12:29:45
